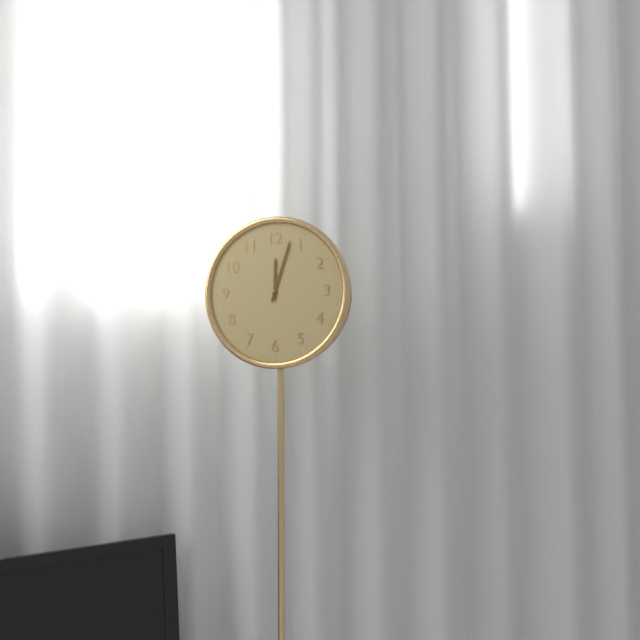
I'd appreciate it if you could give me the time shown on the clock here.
12:03
